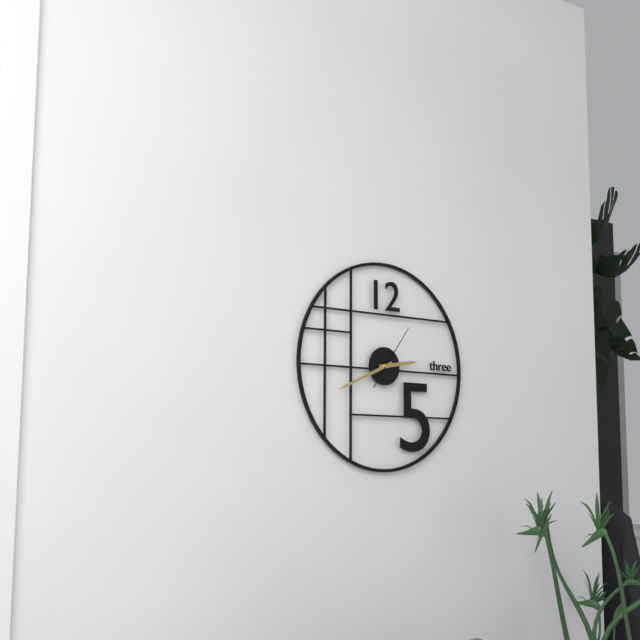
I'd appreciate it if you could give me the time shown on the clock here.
2:41:06
